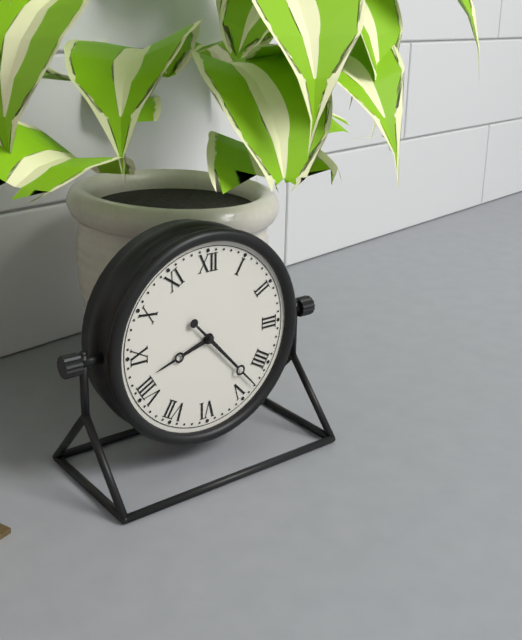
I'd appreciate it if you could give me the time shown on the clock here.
8:23
